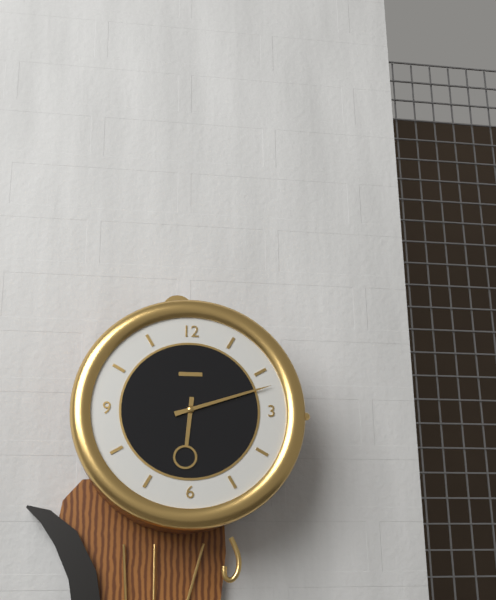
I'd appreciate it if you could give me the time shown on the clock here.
6:12
